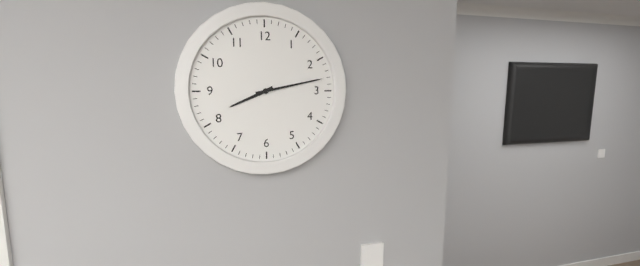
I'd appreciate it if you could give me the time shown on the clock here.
8:13
